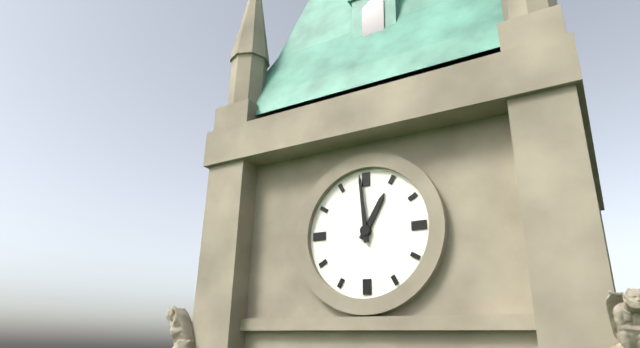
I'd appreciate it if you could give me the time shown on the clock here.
12:59
